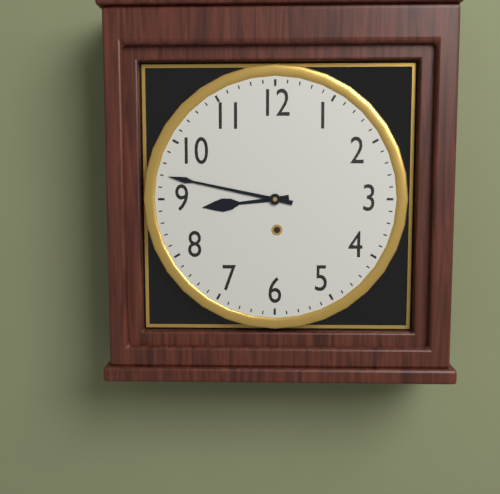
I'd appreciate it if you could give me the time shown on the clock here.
8:47
